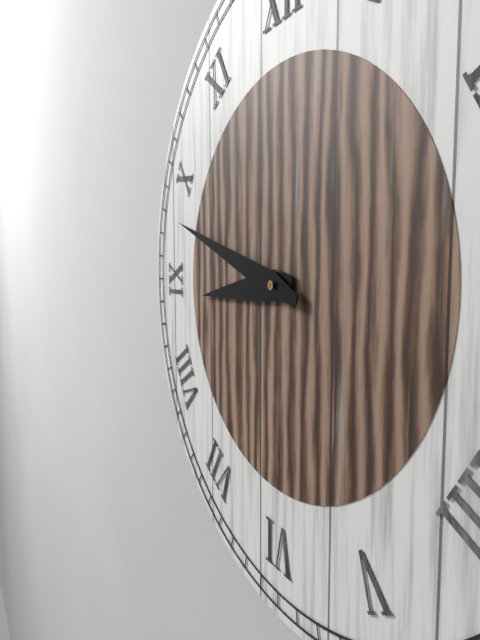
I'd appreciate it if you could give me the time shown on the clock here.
8:48
